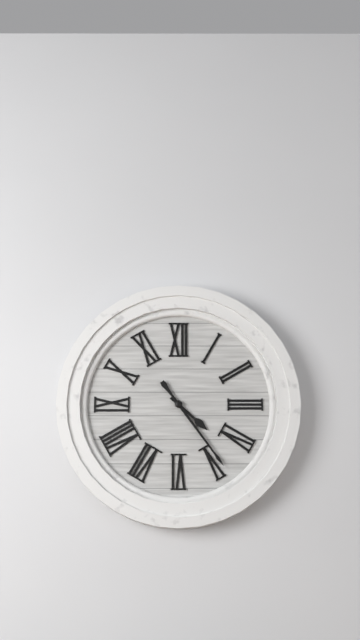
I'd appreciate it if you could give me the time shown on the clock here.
4:24
